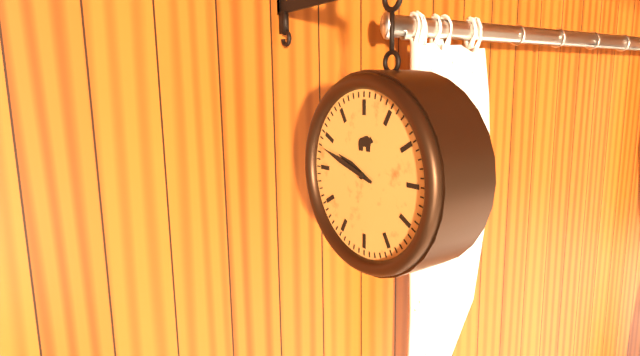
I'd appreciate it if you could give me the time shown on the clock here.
9:48
